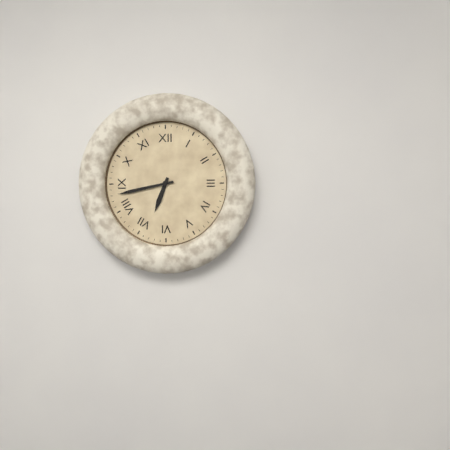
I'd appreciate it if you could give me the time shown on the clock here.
6:43
